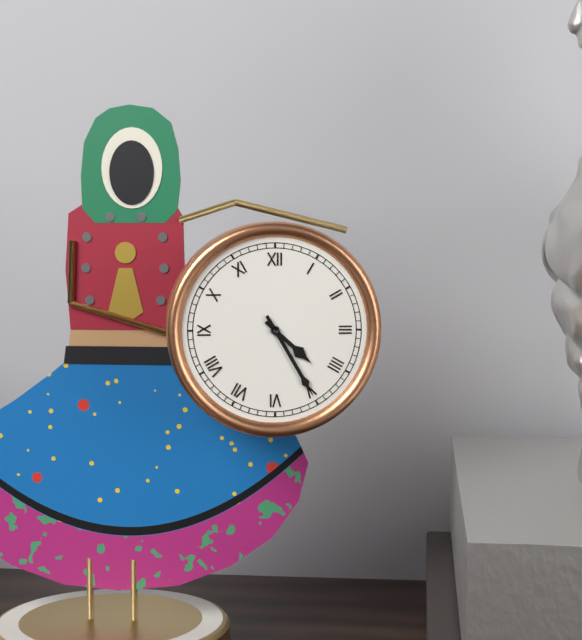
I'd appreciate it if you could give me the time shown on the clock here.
4:25
